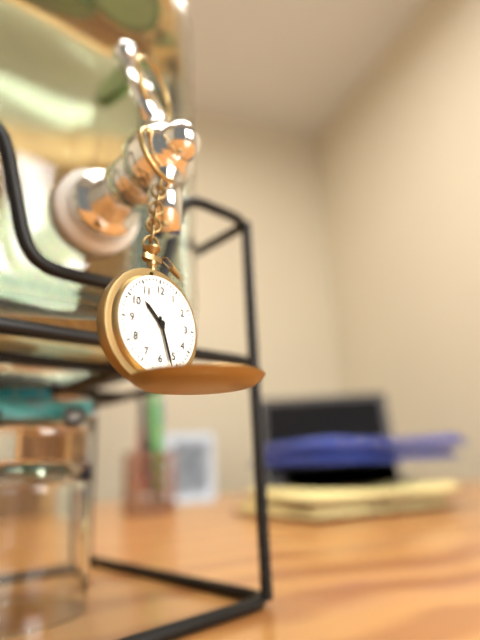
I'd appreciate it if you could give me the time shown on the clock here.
10:27
